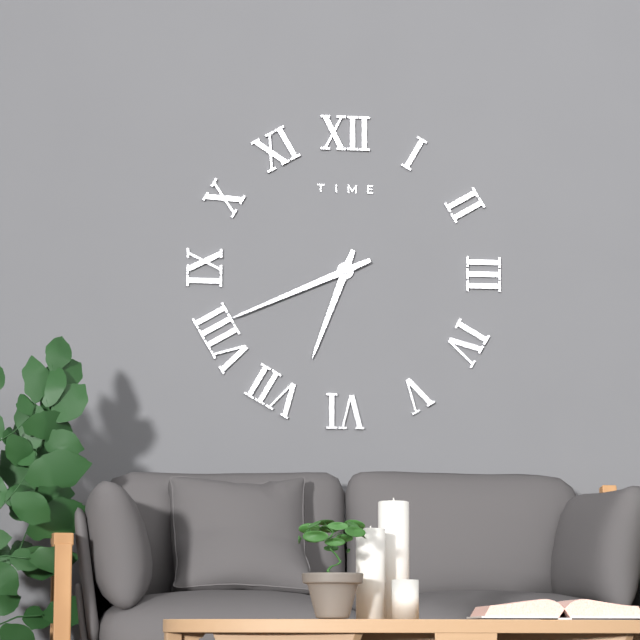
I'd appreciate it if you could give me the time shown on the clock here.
6:41
